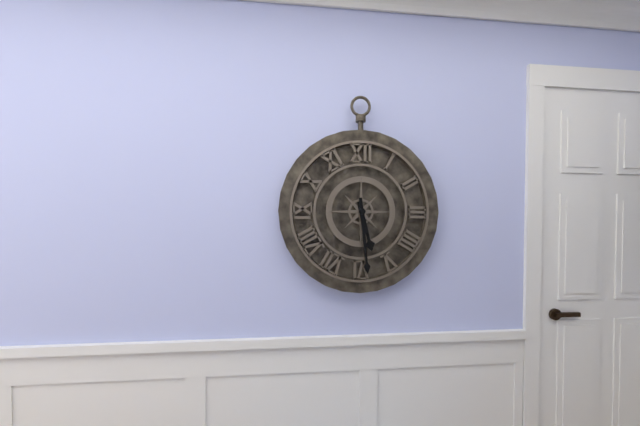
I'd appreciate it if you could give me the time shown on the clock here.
5:29
